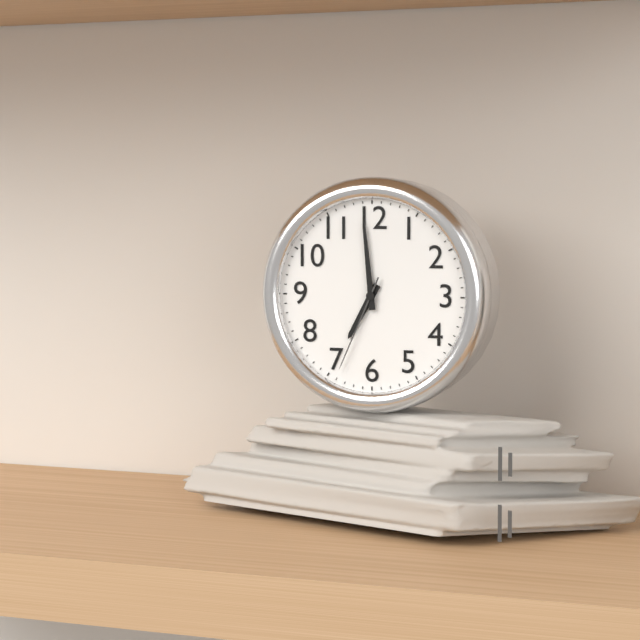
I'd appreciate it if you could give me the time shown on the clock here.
6:59:34
